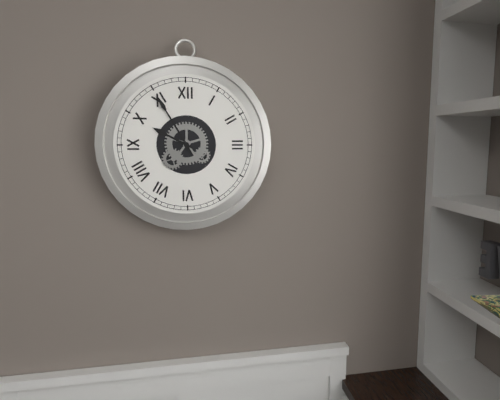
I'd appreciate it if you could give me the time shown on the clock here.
9:55
